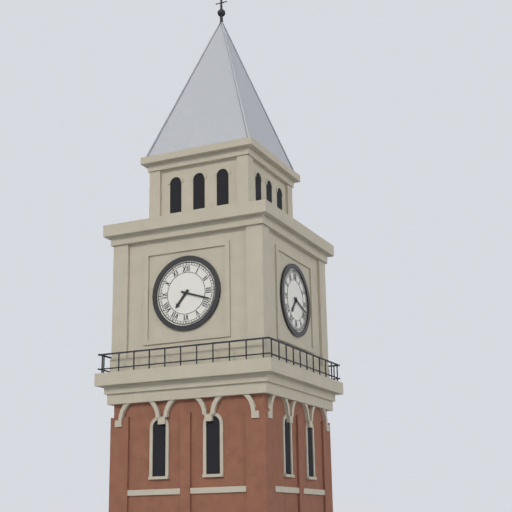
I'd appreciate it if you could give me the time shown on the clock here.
7:18
